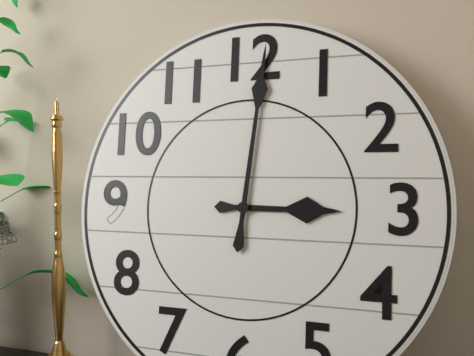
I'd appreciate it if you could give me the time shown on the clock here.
3:01
